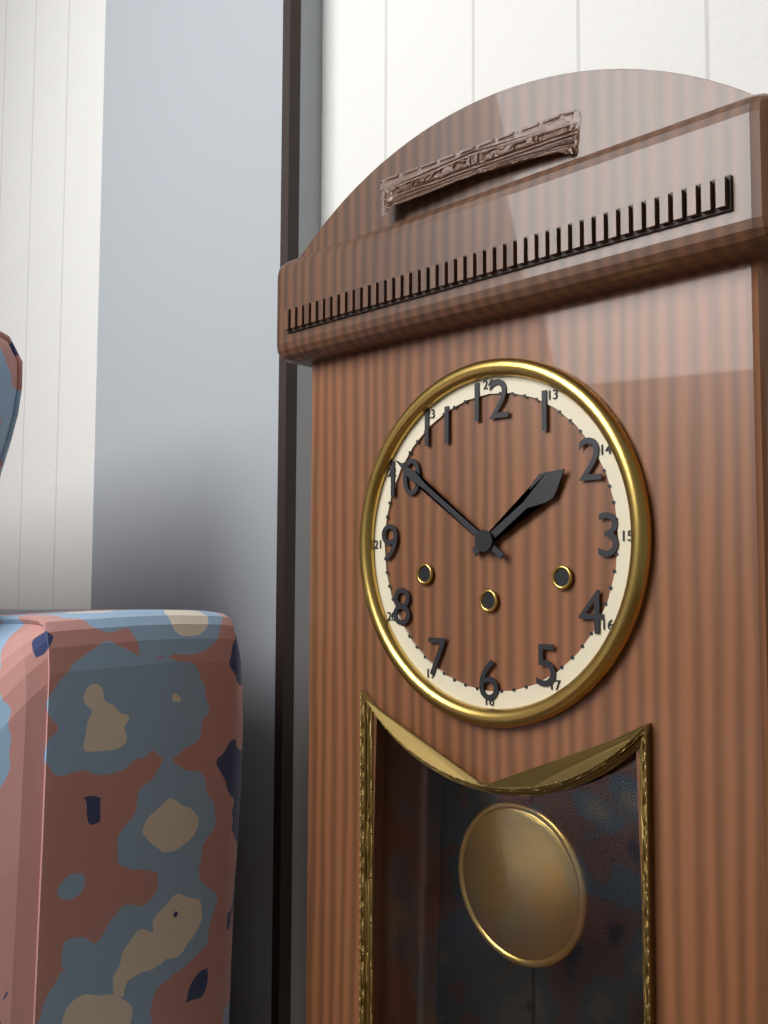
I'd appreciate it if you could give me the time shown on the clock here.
1:51
